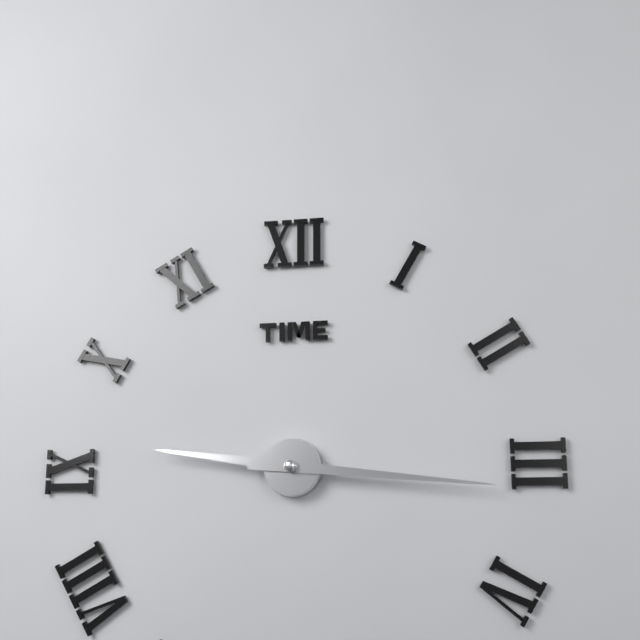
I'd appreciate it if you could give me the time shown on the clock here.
9:16
